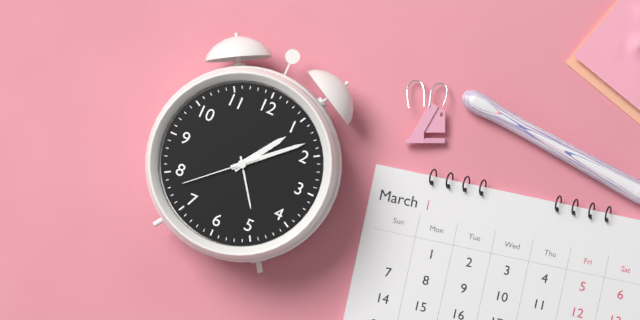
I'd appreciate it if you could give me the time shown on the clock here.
1:08:38
